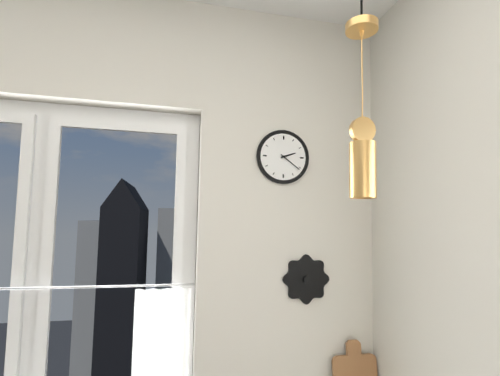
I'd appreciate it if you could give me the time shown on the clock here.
2:21
